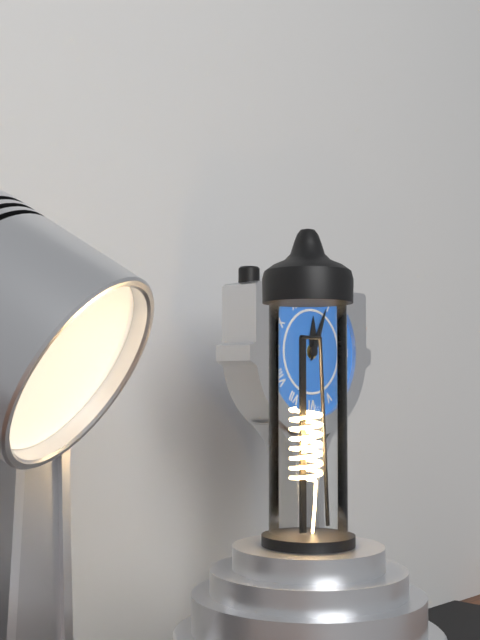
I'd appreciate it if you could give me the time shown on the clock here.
12:04
